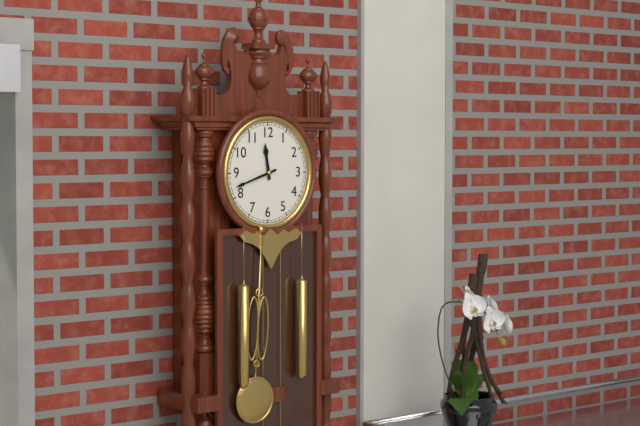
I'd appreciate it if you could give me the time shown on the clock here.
11:42
